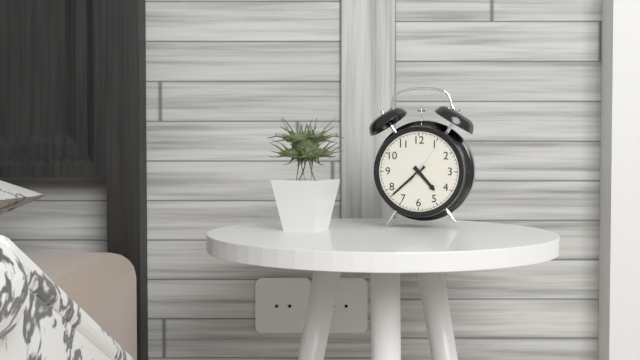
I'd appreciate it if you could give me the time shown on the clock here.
4:38
